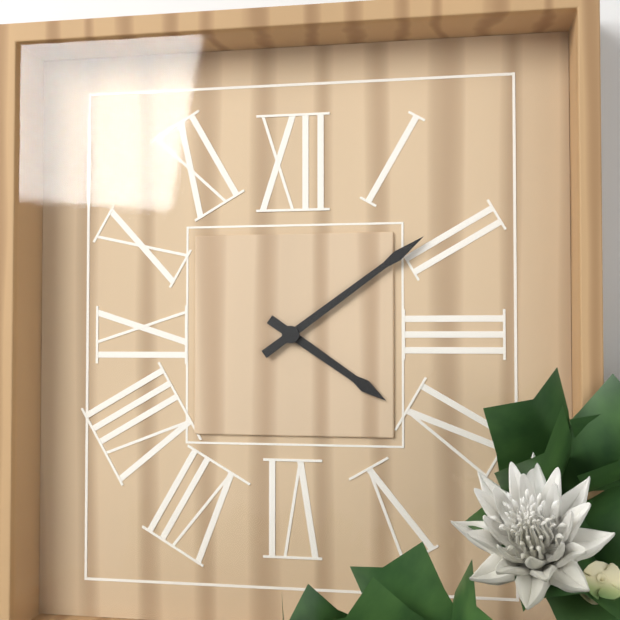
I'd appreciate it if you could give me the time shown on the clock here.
4:09
